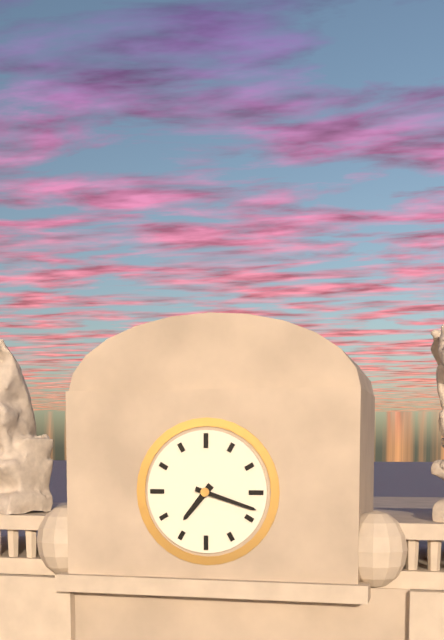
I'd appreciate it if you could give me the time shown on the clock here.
7:18
